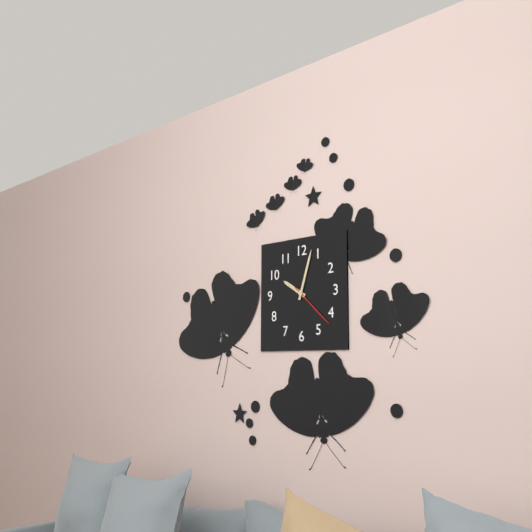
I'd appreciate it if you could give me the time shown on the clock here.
10:03:22
